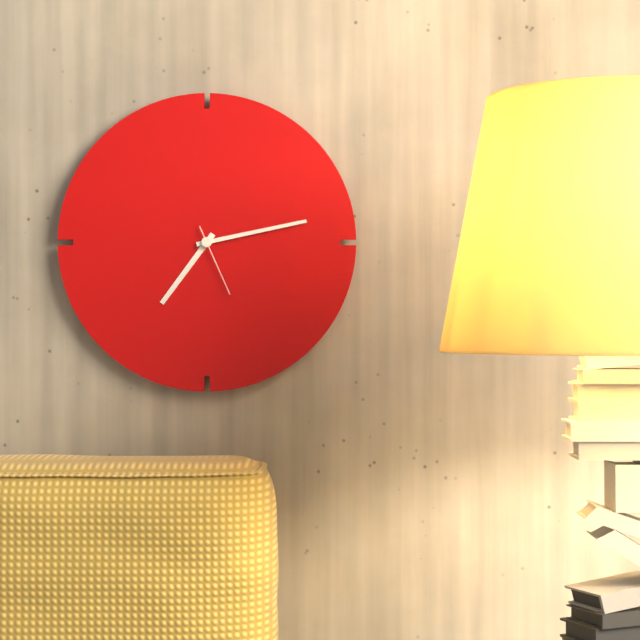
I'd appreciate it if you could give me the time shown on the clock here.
7:13:26
